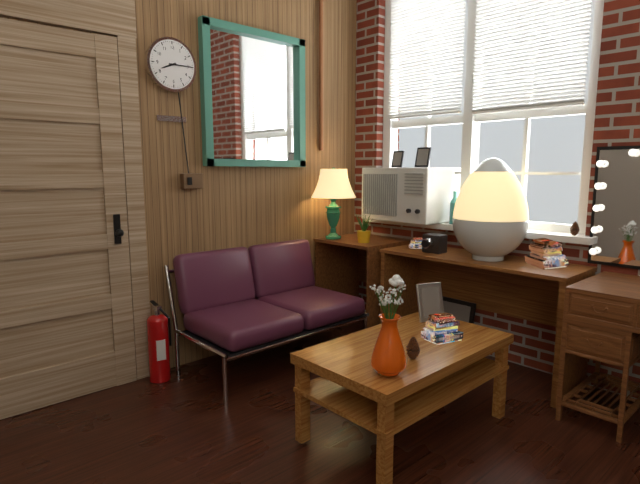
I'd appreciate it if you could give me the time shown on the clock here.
8:15
